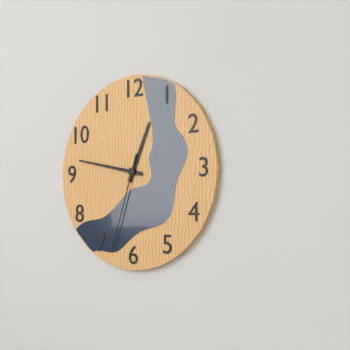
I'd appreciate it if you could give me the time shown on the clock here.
12:47:33
